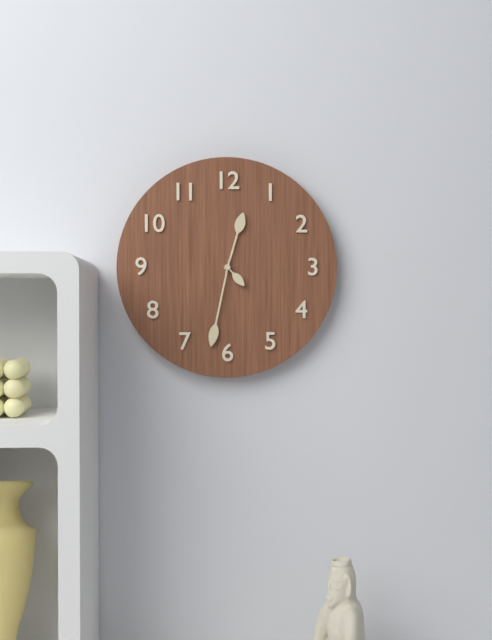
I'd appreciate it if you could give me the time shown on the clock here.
12:32
